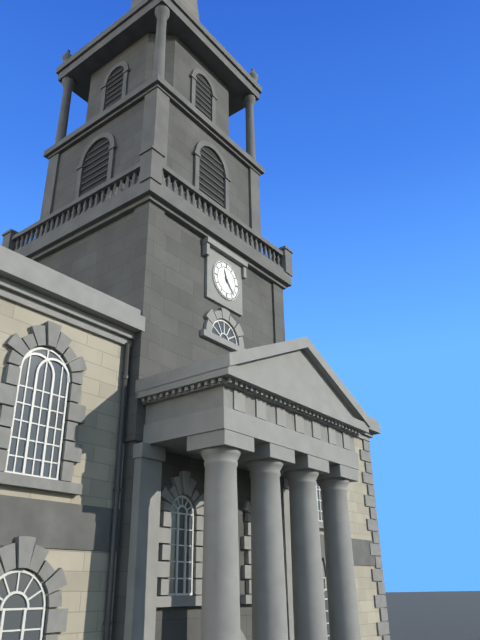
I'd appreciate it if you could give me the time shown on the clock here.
11:23
